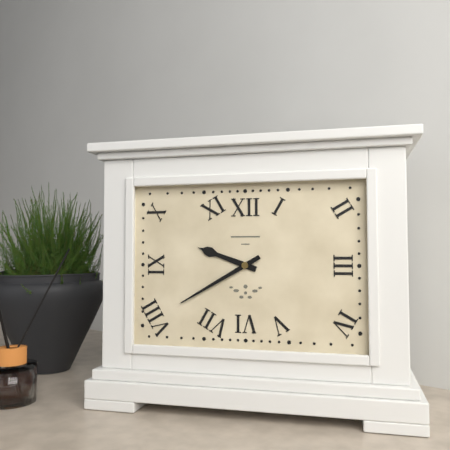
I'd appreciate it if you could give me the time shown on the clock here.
9:40
